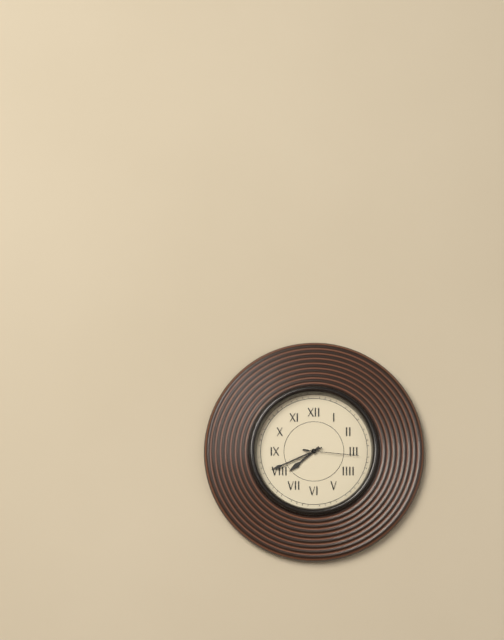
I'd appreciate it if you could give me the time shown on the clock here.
7:41:16
